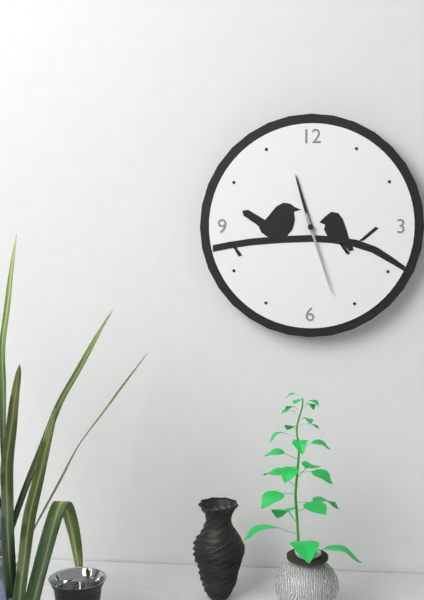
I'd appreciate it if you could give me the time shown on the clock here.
11:27:27
